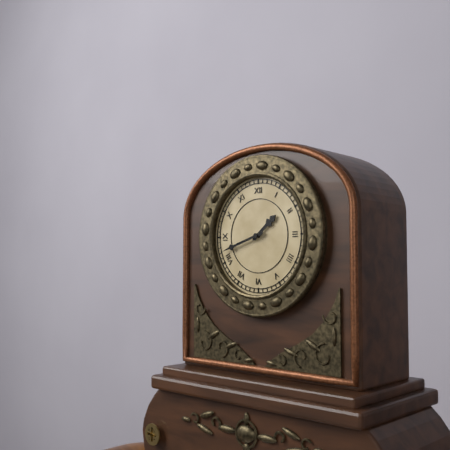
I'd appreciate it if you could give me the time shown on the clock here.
1:42
